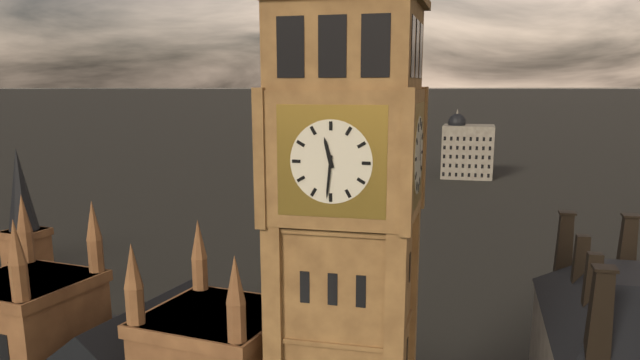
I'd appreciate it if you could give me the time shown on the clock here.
11:31
